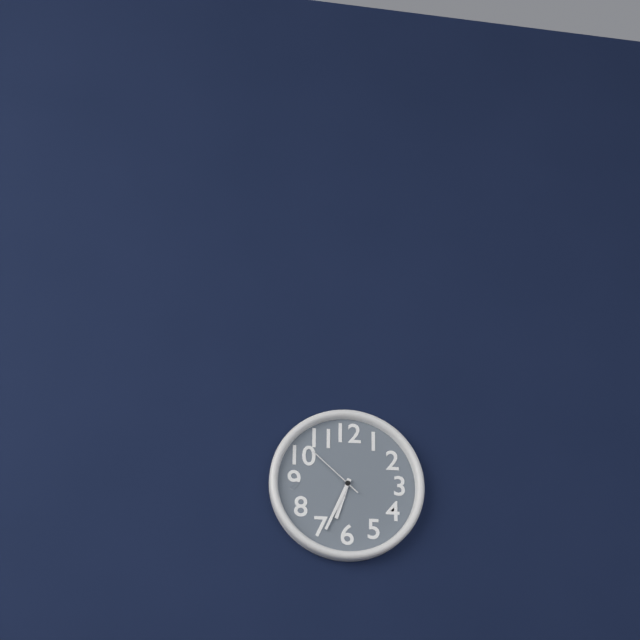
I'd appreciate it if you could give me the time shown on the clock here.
6:34:52
